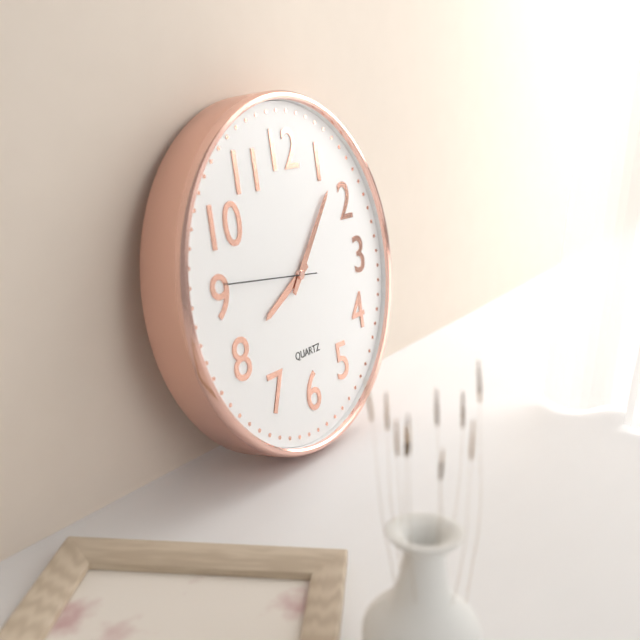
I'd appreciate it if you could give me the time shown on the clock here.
8:07:46
